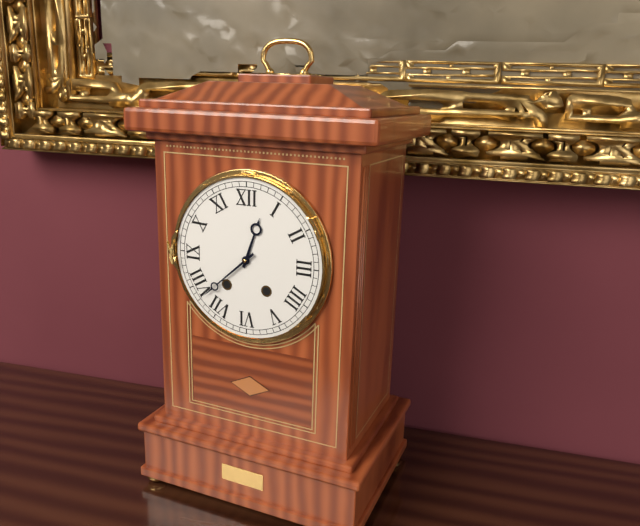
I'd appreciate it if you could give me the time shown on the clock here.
12:38
